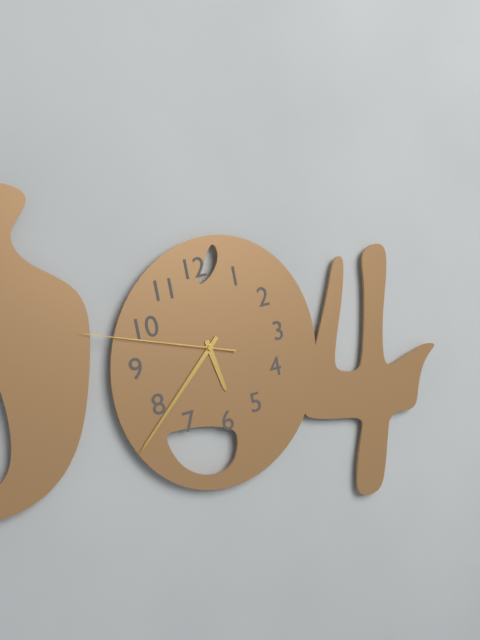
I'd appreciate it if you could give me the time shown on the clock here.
5:38:48
